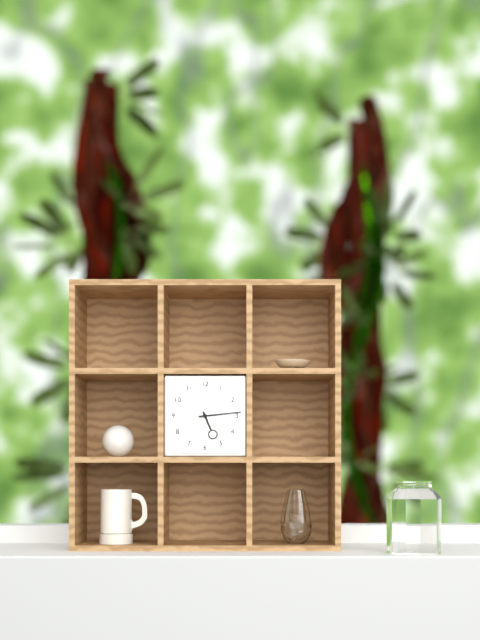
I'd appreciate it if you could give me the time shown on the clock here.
5:14
